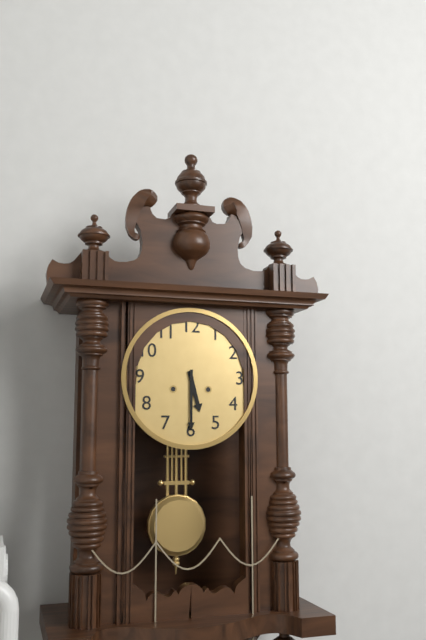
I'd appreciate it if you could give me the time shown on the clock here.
5:30
